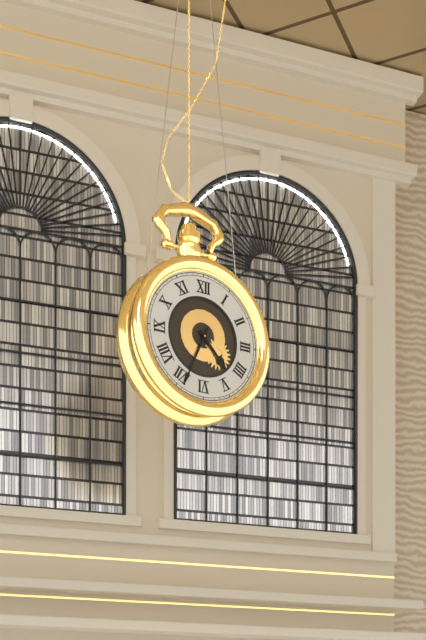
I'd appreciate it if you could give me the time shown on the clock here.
4:34
